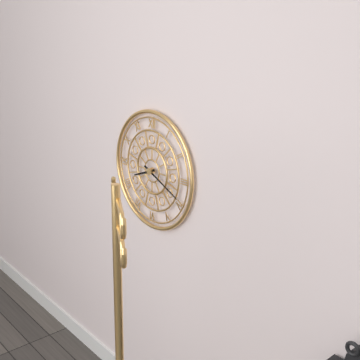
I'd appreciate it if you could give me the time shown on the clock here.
8:19
